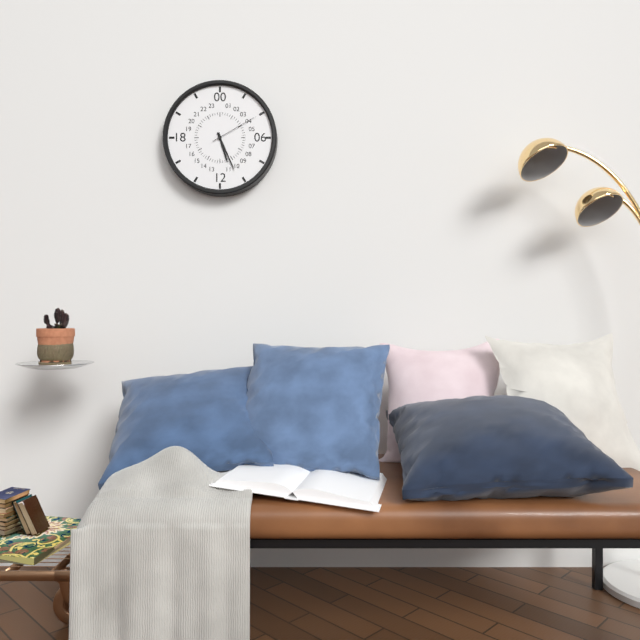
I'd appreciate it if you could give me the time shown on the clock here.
5:26:10
